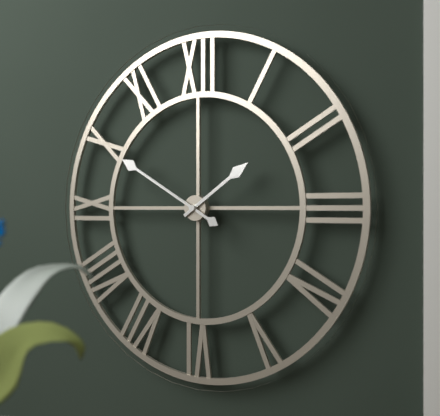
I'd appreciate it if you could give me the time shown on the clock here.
1:50
